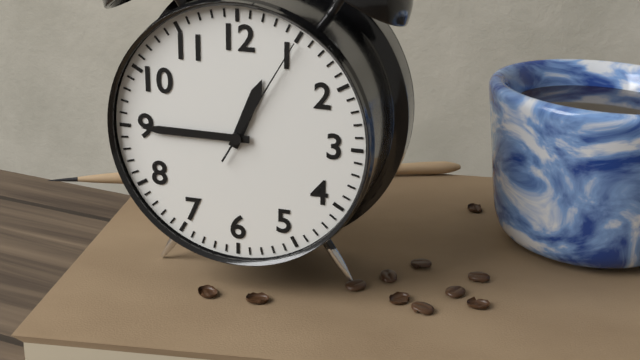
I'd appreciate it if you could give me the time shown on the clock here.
12:45:05
